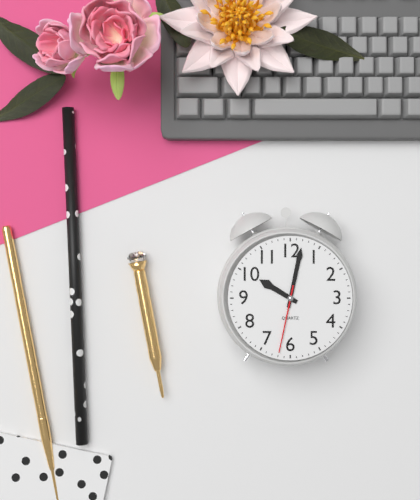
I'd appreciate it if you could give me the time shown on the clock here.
10:02:32
